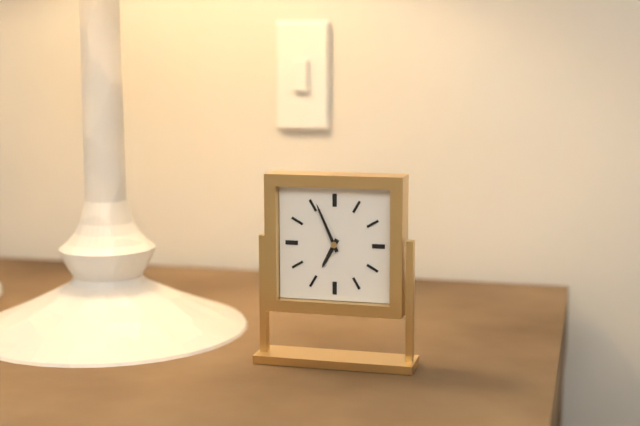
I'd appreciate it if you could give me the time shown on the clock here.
6:56
